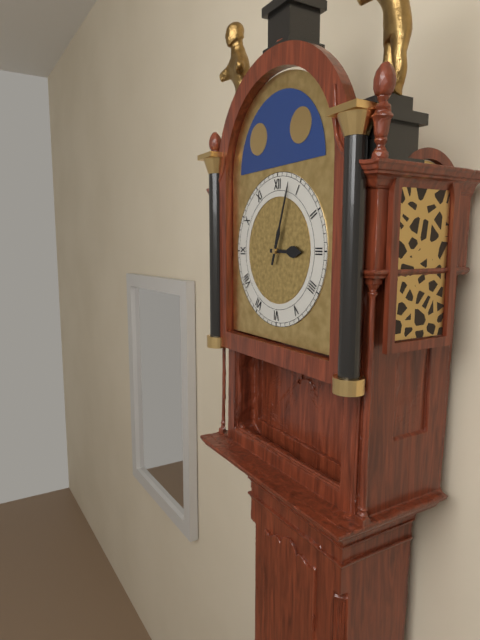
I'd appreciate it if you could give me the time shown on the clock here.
3:03
